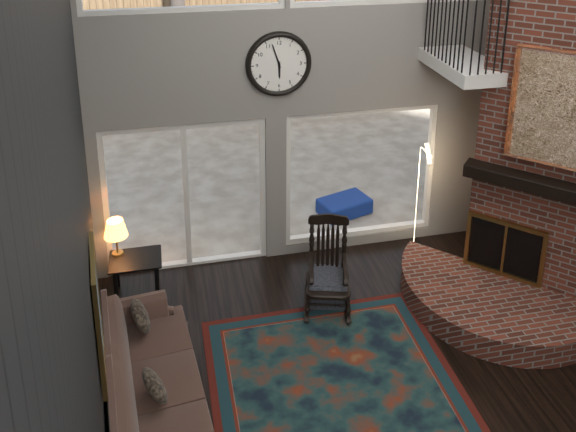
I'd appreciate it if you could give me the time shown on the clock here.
5:57
